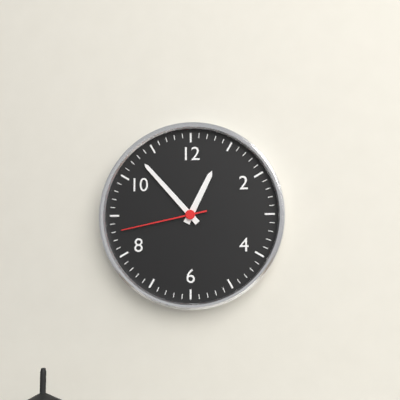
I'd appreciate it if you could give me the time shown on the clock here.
12:53:43
